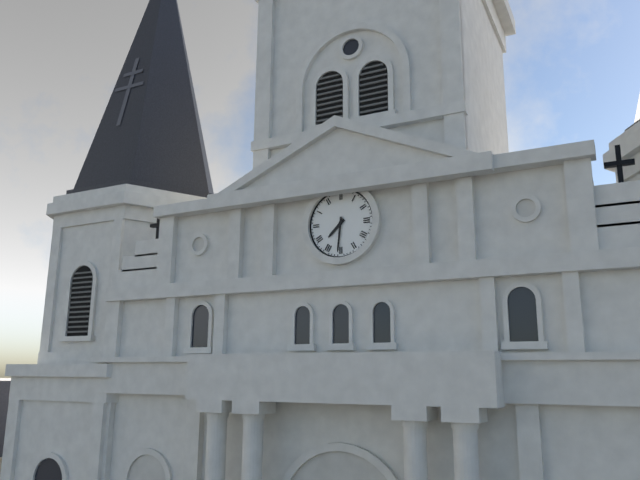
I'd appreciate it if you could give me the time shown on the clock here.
7:31
